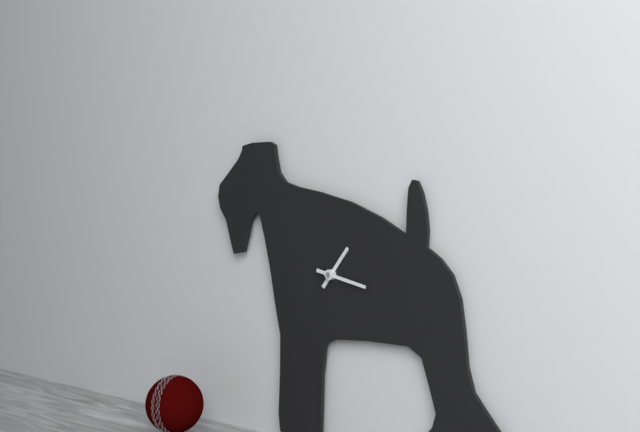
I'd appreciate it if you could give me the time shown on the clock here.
1:17
